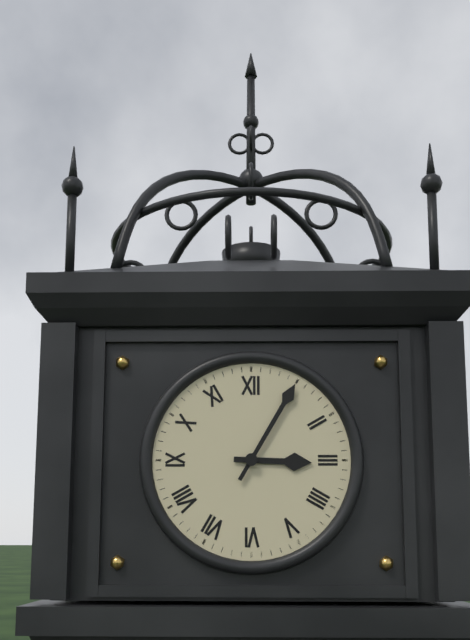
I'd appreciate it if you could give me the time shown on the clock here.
3:05
